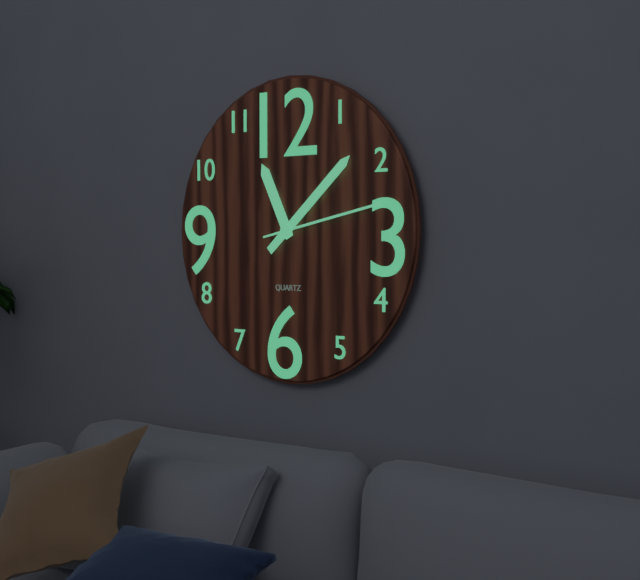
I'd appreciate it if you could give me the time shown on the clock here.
11:08:13
